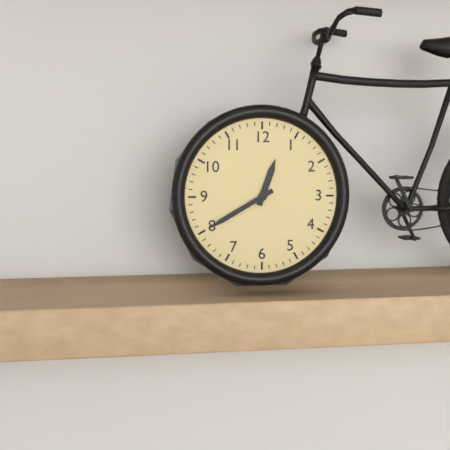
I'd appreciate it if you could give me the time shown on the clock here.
12:40
